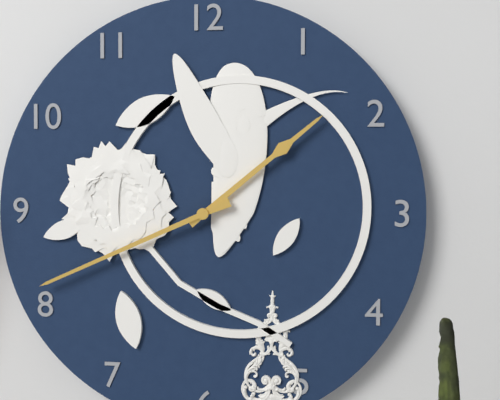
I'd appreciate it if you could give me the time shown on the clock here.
1:41
